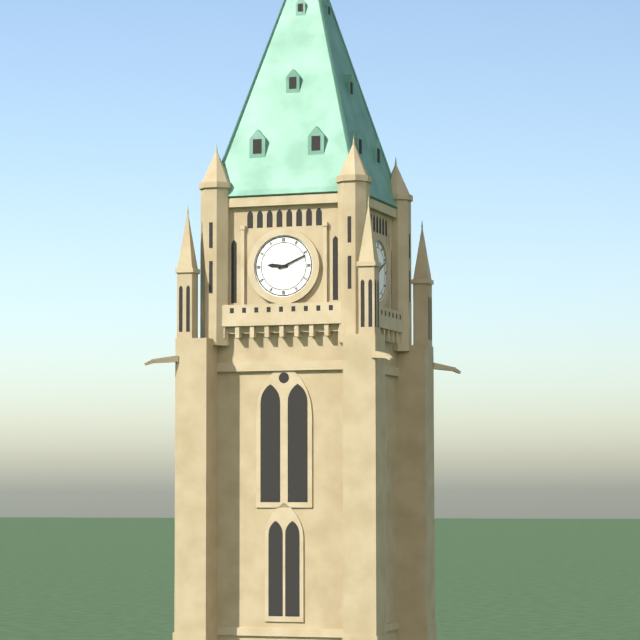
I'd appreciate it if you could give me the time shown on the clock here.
9:11
